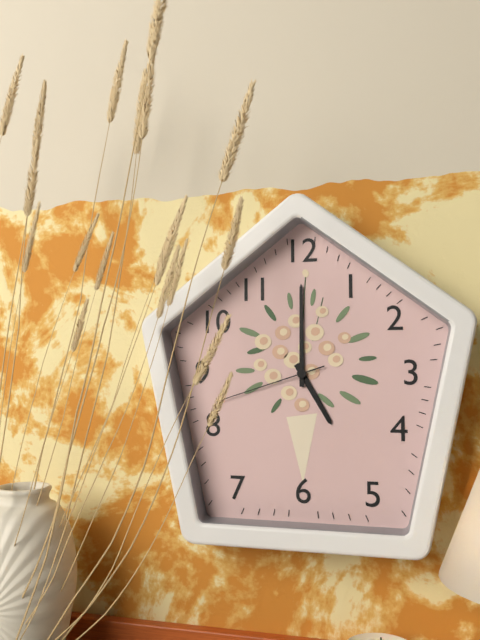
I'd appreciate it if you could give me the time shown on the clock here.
5:00:42
